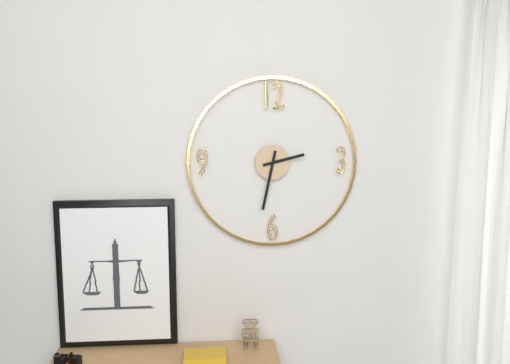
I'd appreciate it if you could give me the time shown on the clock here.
2:32
